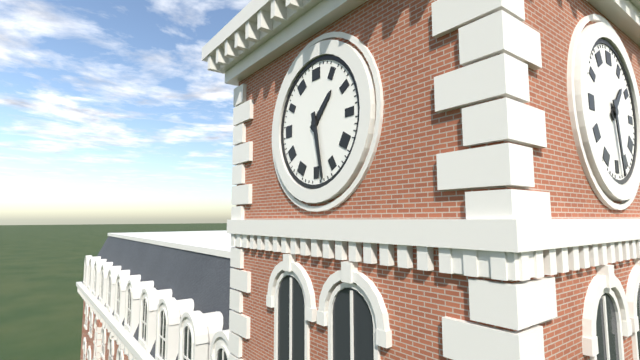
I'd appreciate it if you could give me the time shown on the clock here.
1:28
